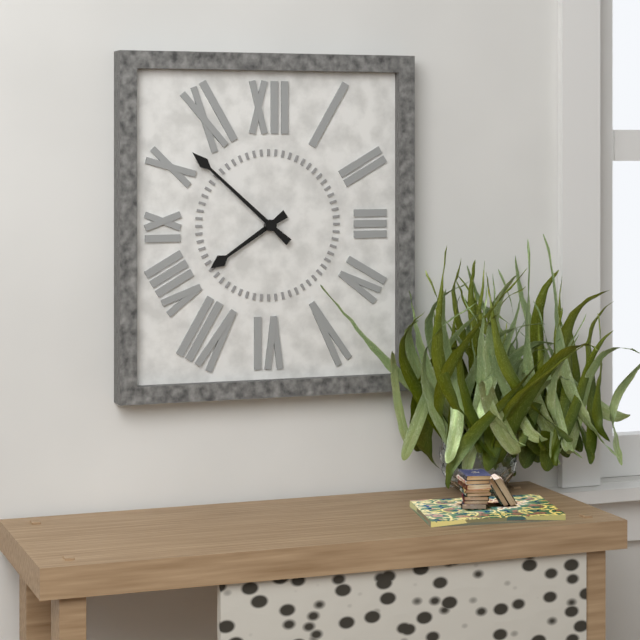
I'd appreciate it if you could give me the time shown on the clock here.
7:52
